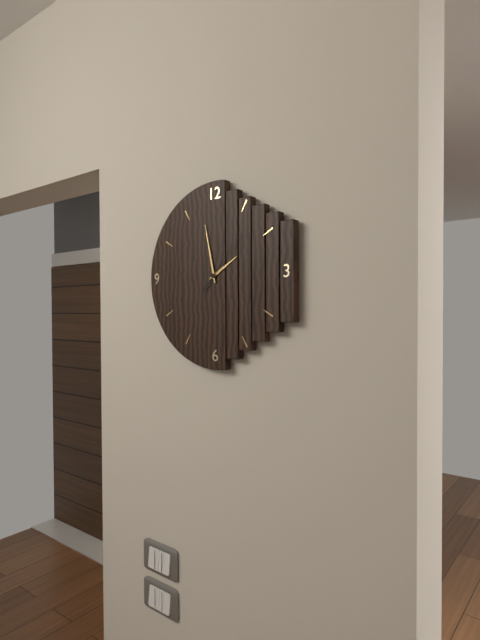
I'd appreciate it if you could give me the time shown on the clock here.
1:58:07
